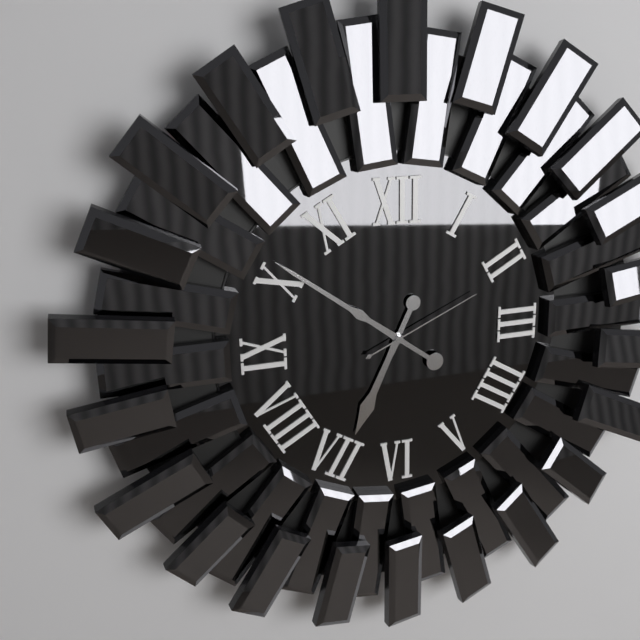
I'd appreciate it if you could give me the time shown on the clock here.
6:51:11
